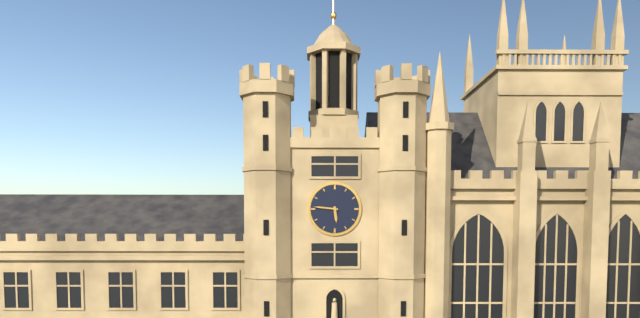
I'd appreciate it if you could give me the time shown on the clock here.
5:46
